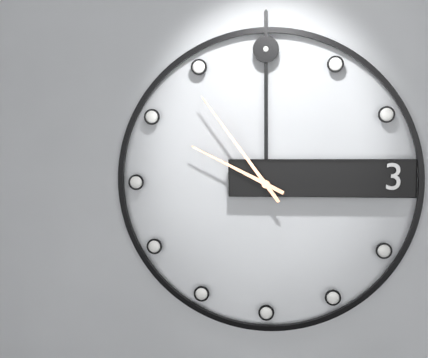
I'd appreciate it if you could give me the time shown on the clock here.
9:54
